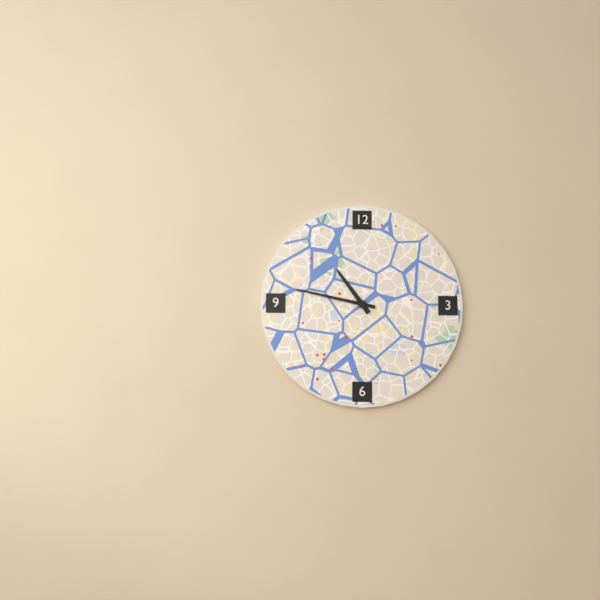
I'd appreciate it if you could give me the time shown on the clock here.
10:47
